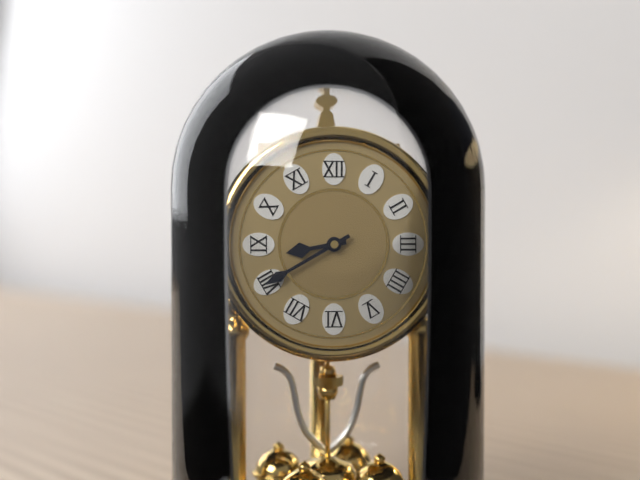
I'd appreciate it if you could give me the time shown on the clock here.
8:40
